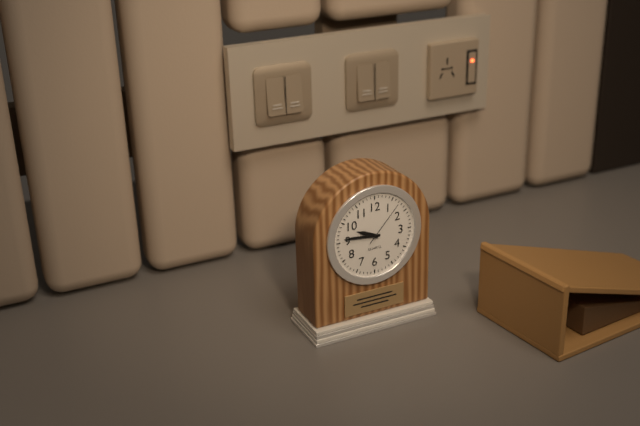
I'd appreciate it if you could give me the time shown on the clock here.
9:46
